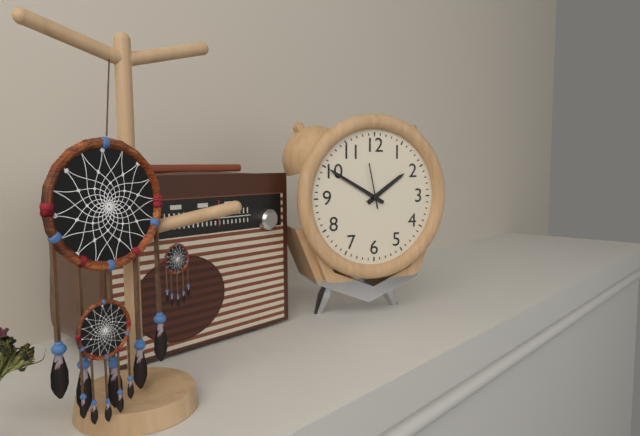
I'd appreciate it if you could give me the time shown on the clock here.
1:50
